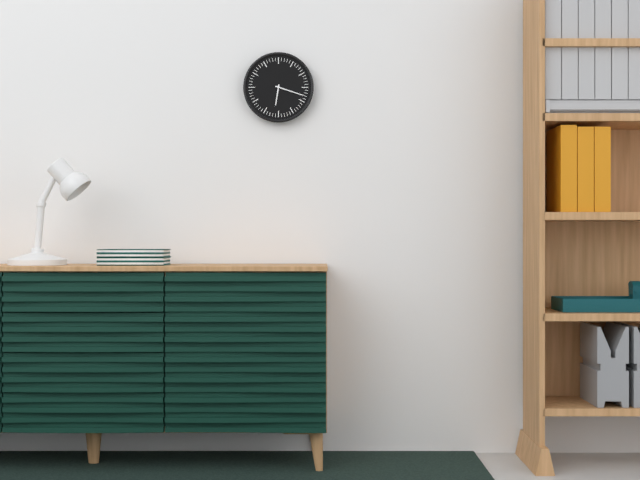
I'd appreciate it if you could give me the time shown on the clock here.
6:18
